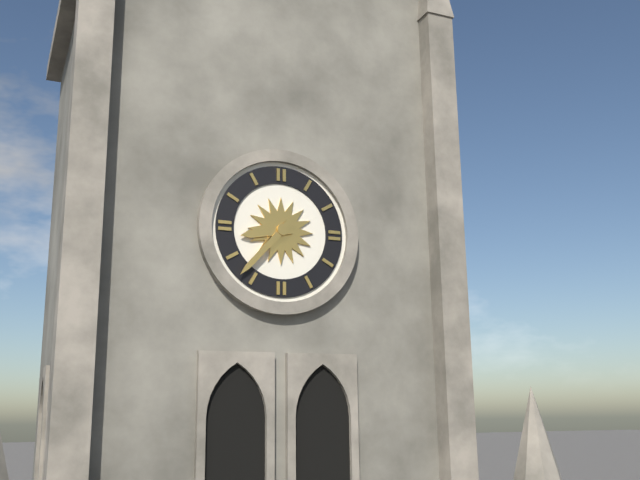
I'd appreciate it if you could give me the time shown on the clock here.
8:37
